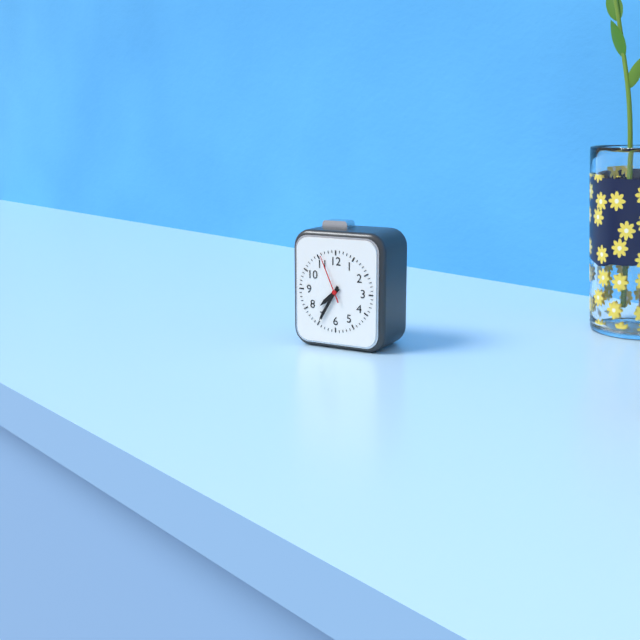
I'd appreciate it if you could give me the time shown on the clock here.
7:35
